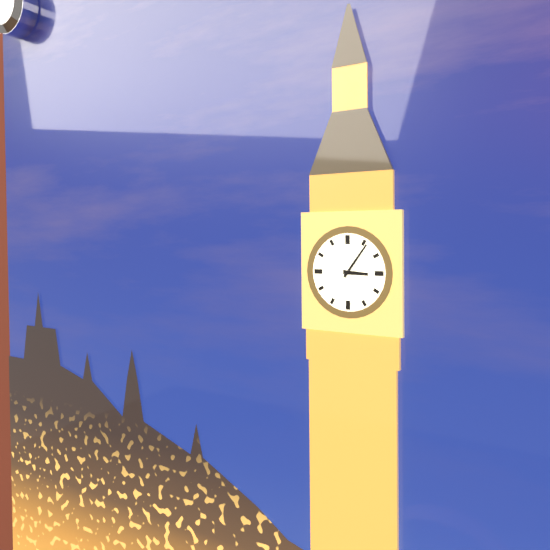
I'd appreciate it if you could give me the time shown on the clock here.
3:06
